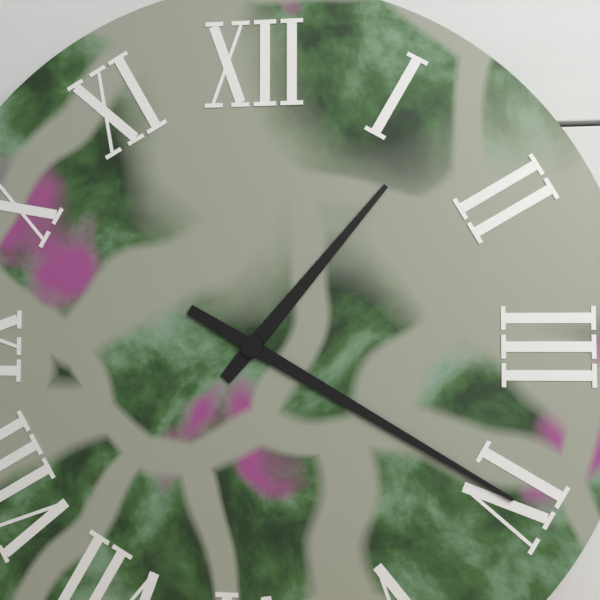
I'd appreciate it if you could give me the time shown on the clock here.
1:20
